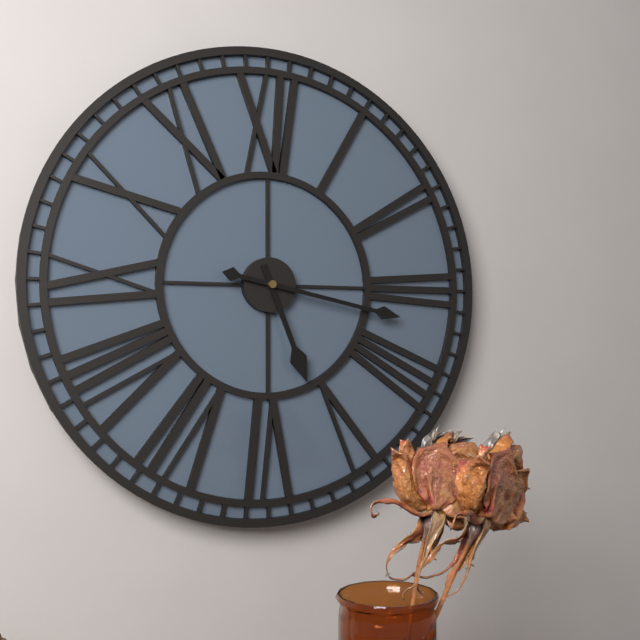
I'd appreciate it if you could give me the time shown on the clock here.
5:17
